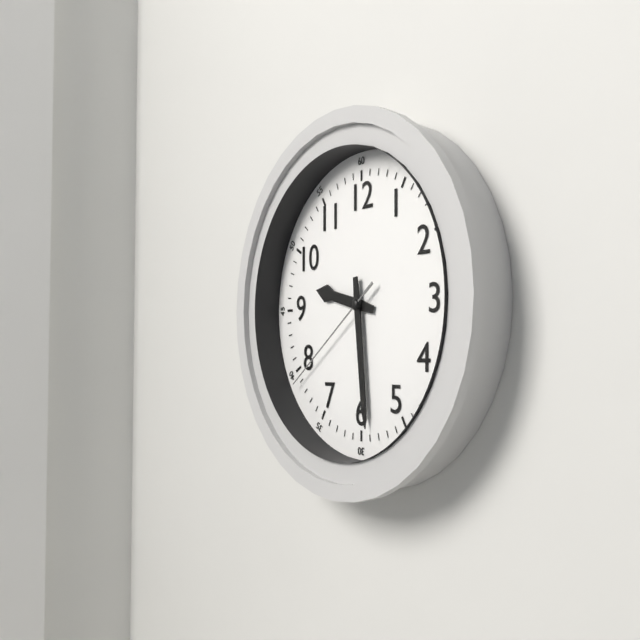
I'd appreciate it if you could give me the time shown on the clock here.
9:29:39
